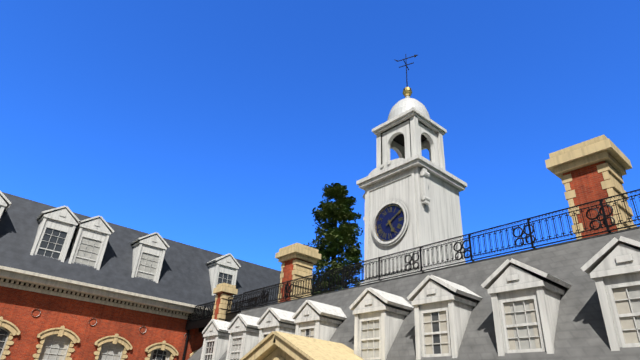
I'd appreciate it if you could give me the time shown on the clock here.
5:10
